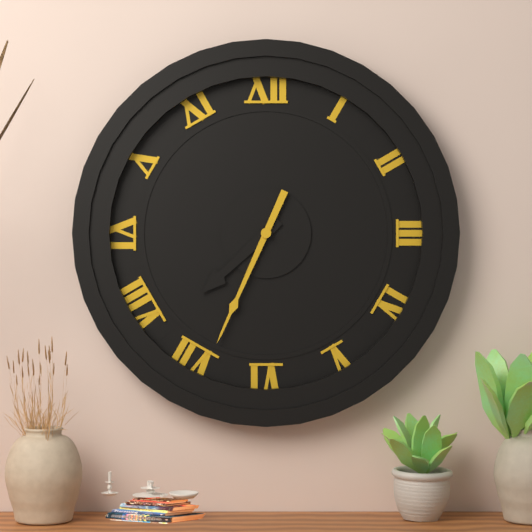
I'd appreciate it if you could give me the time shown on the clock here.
7:34
